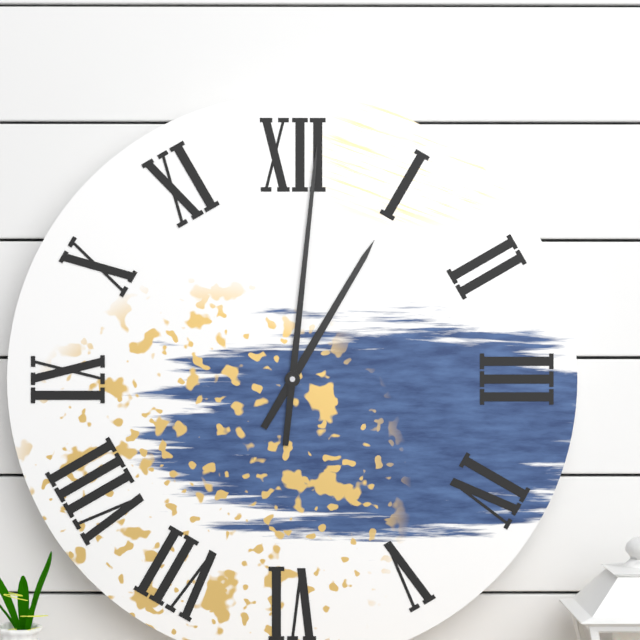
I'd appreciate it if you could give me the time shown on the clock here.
1:01
